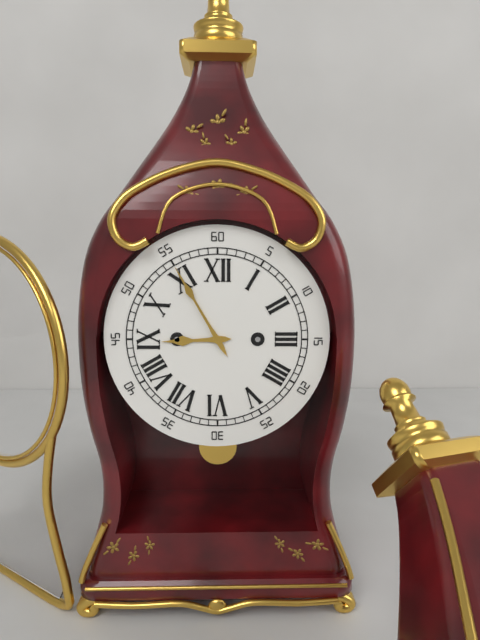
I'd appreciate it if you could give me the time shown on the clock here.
8:55
